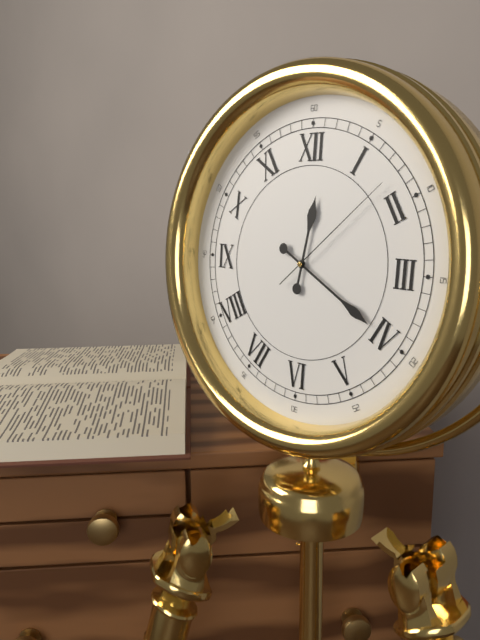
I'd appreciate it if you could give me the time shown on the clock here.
12:20:08
